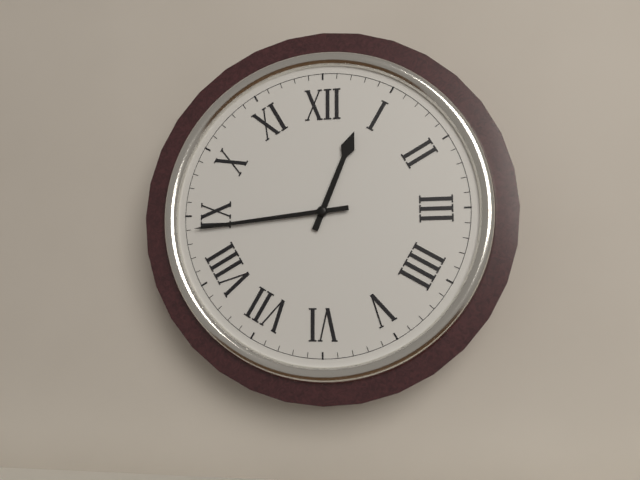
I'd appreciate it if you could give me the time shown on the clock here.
12:44
